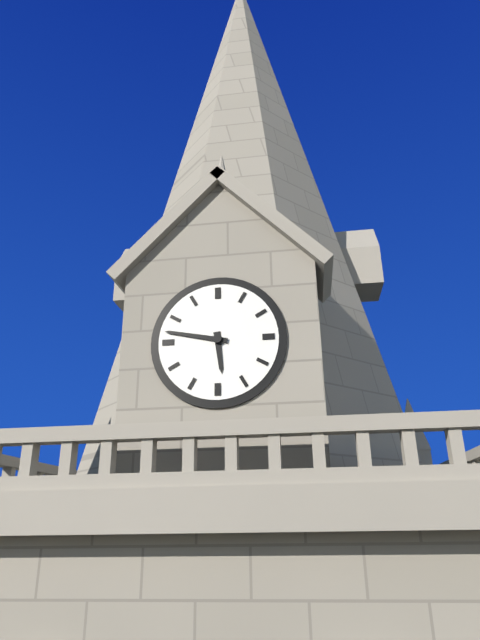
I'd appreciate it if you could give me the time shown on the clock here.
5:47
